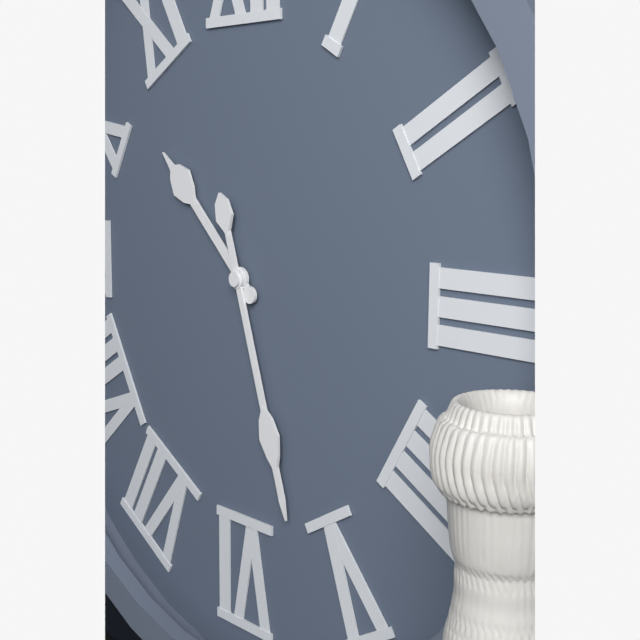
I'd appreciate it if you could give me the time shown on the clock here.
10:27
